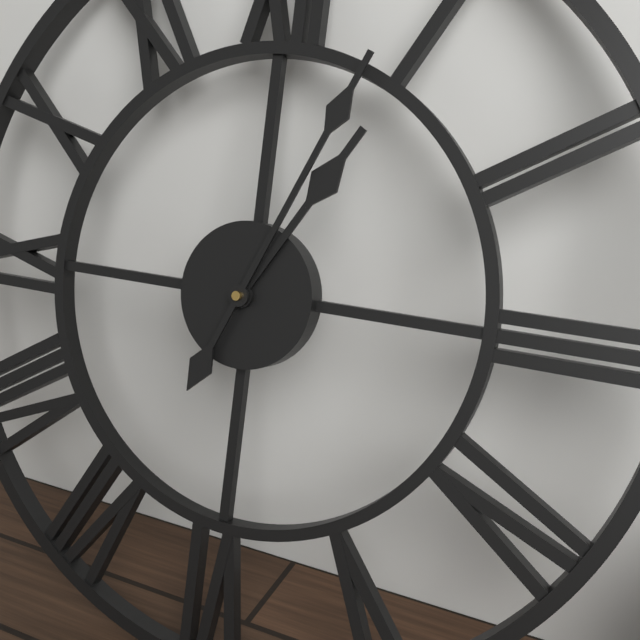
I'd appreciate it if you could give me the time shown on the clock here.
1:04
